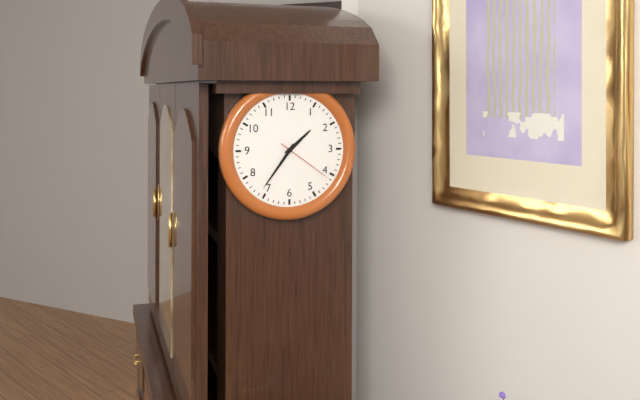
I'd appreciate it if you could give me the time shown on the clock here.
1:36:21
